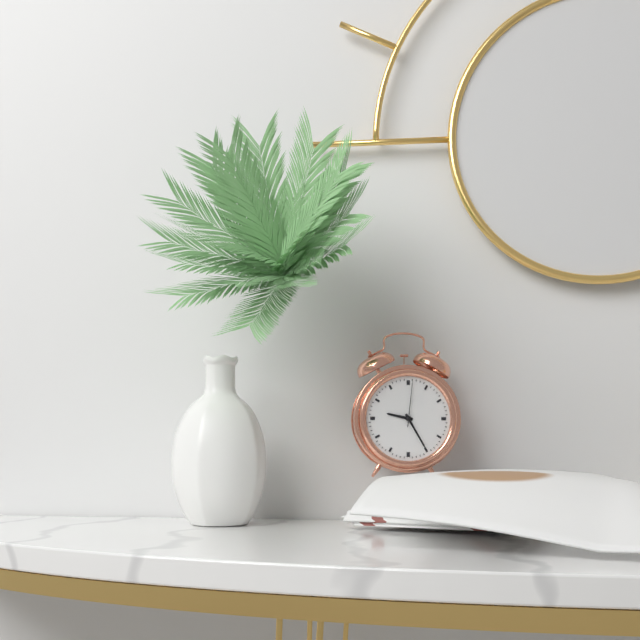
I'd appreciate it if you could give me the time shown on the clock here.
9:25
